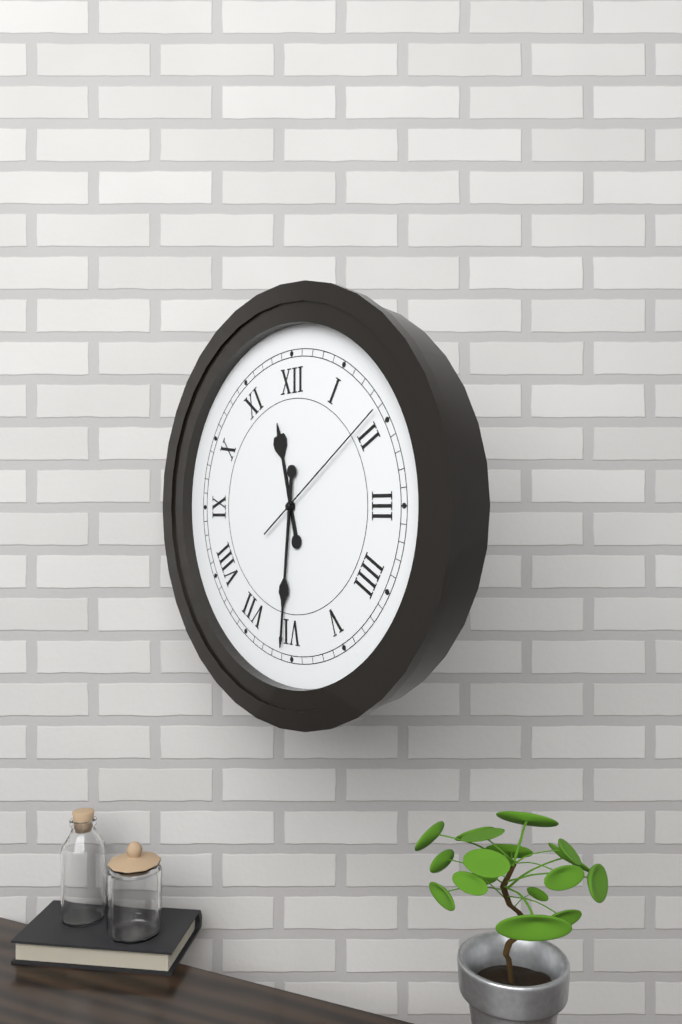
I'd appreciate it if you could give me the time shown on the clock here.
11:31:09
